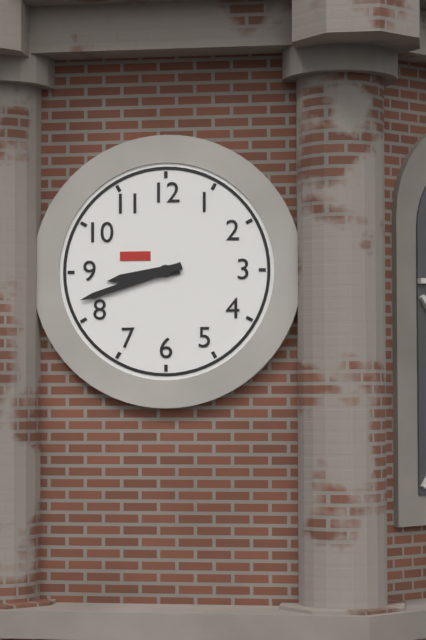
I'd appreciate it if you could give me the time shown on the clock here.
8:42
